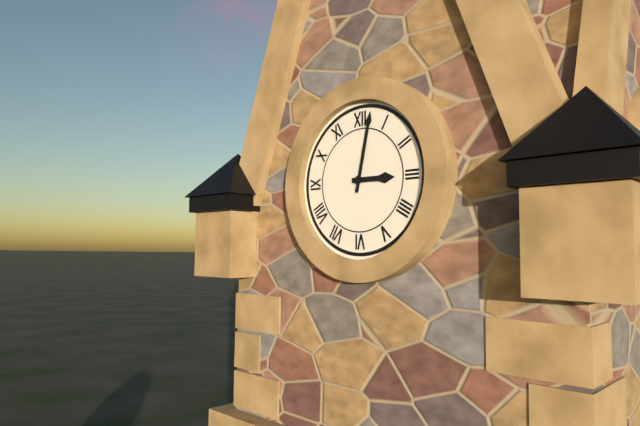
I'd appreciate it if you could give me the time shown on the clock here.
3:02
